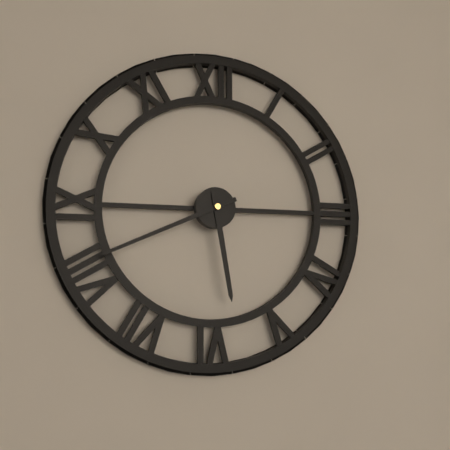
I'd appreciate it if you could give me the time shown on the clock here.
5:41
